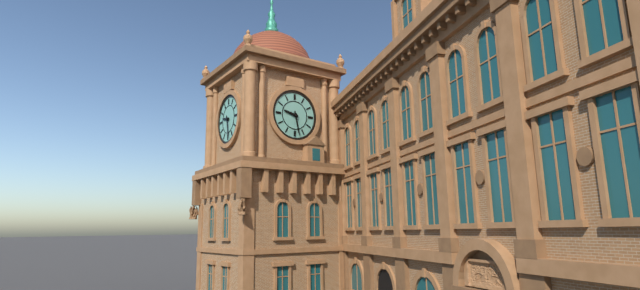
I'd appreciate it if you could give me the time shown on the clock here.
9:28
